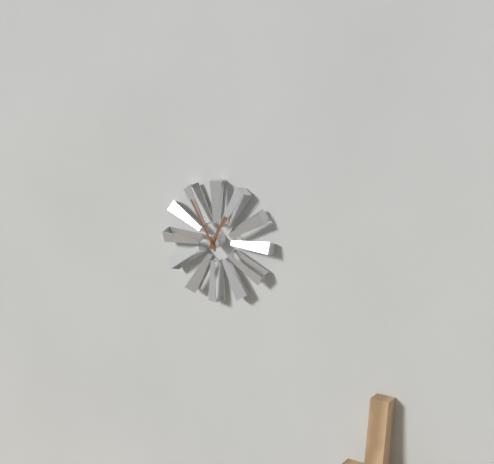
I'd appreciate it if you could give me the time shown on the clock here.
12:55
